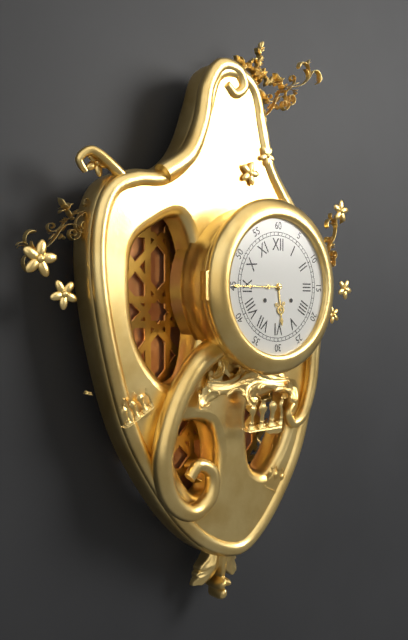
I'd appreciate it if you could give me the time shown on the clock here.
5:45
